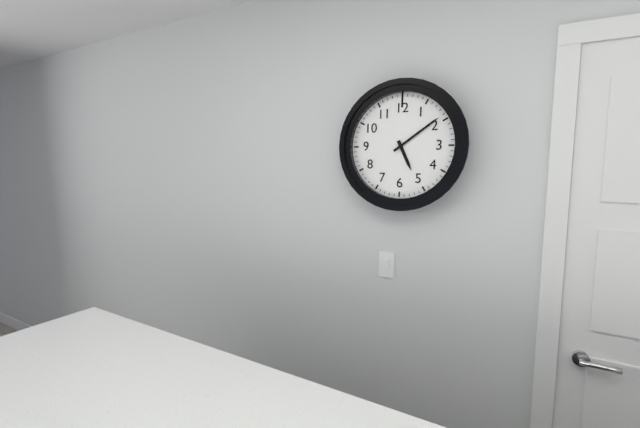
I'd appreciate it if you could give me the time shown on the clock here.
5:09
